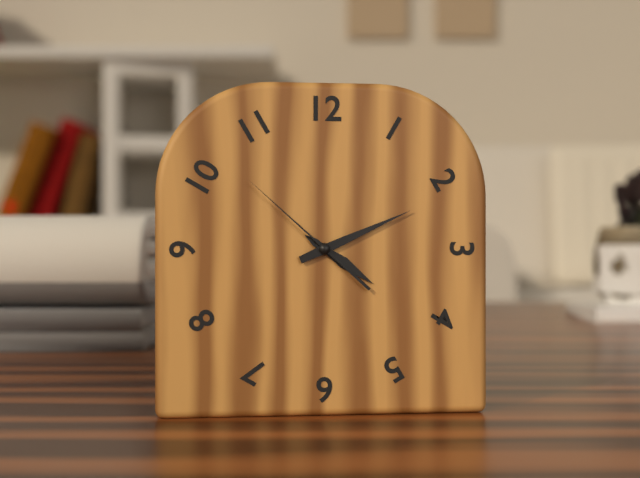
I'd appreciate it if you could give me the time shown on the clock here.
4:11:52
